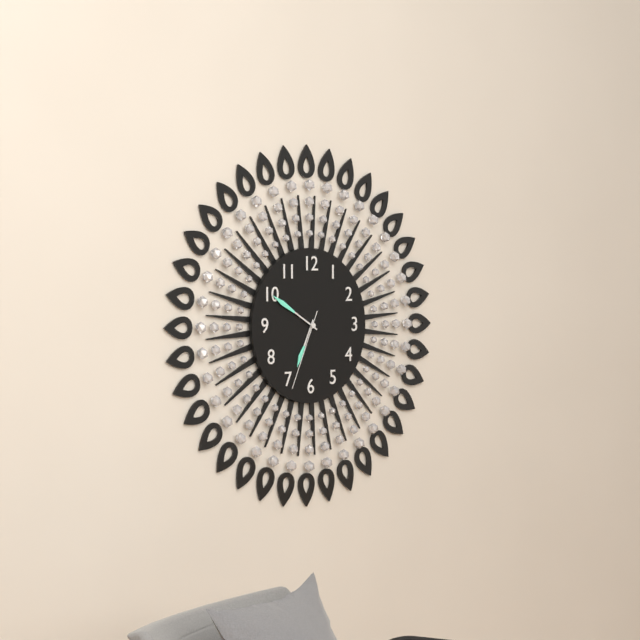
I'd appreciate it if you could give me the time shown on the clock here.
6:50:34
